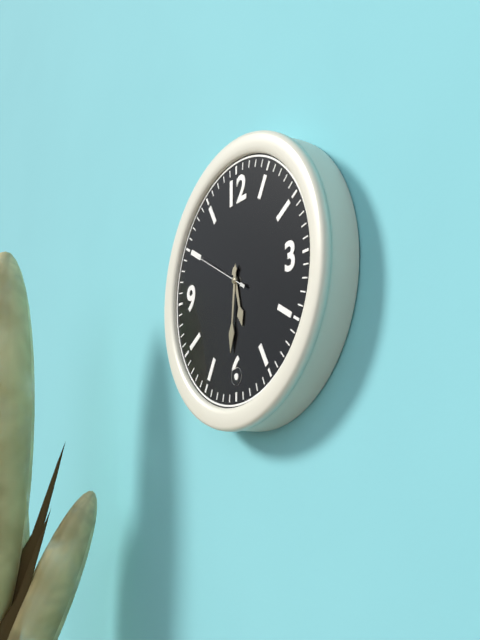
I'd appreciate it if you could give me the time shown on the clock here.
5:31:50
